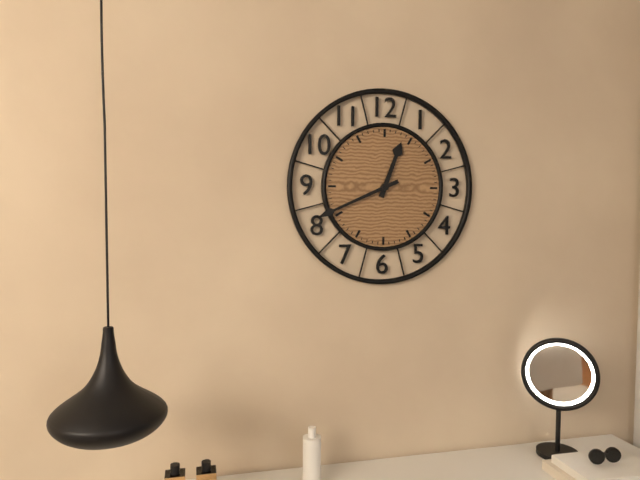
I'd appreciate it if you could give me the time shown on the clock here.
12:41
